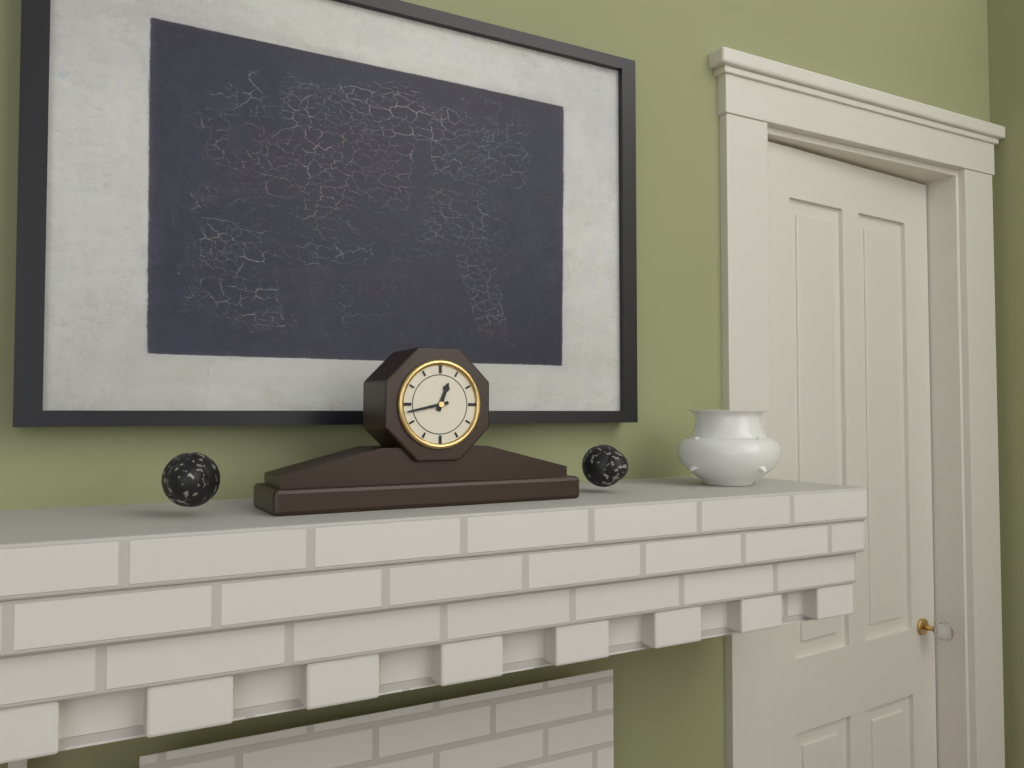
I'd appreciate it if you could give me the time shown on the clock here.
12:43
